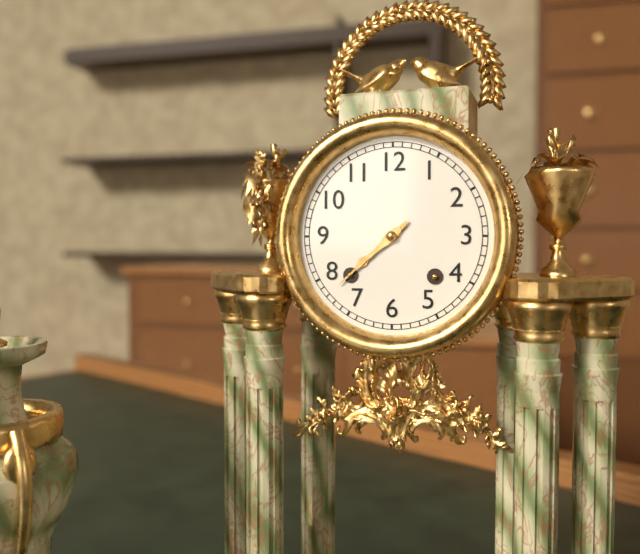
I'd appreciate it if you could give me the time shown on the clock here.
7:38
